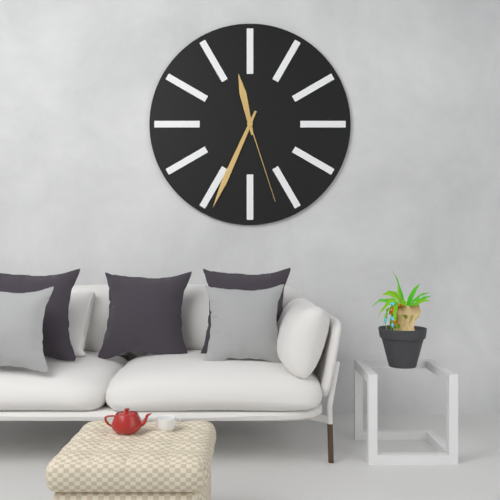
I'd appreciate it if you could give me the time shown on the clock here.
11:34:27
